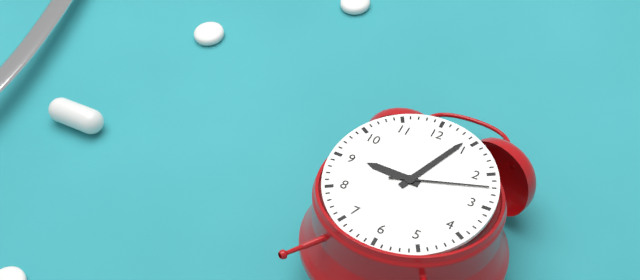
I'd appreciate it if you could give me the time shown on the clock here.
9:04:12
